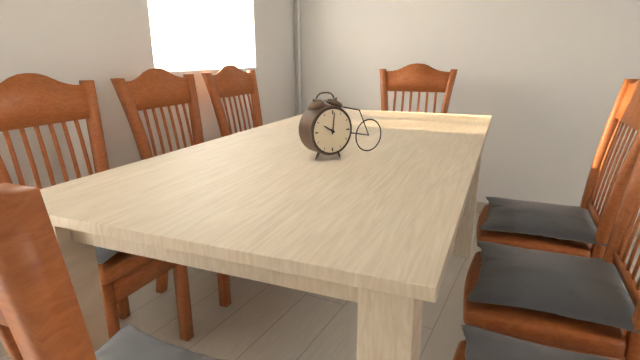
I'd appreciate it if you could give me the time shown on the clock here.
10:01
